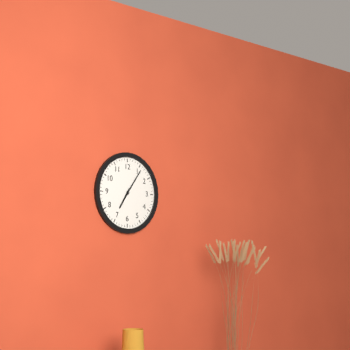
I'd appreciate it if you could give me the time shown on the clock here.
7:06
